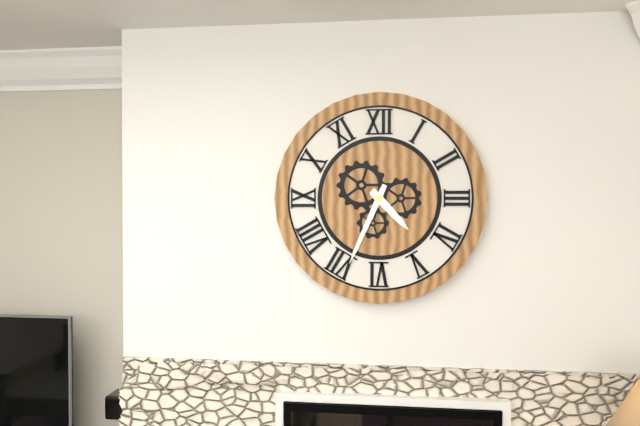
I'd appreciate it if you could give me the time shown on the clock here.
4:34
